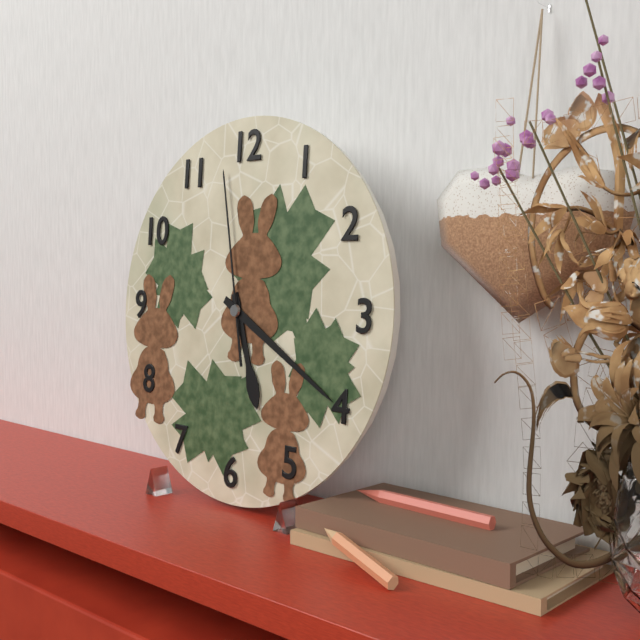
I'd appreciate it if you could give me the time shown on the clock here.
5:20:58
